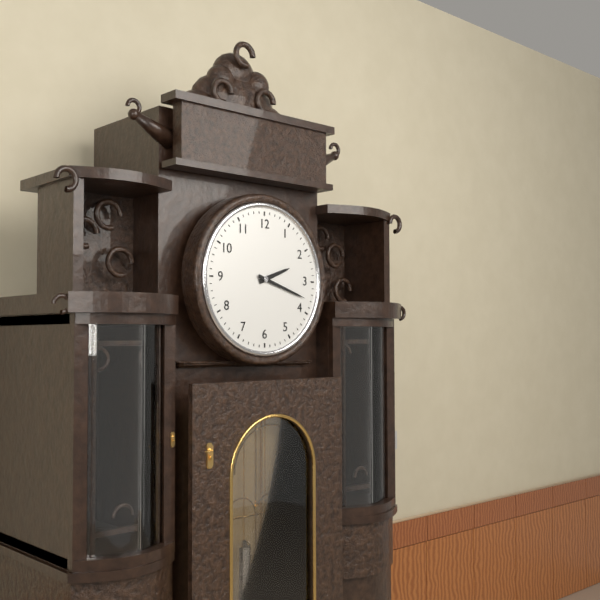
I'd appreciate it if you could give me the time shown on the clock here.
2:18
